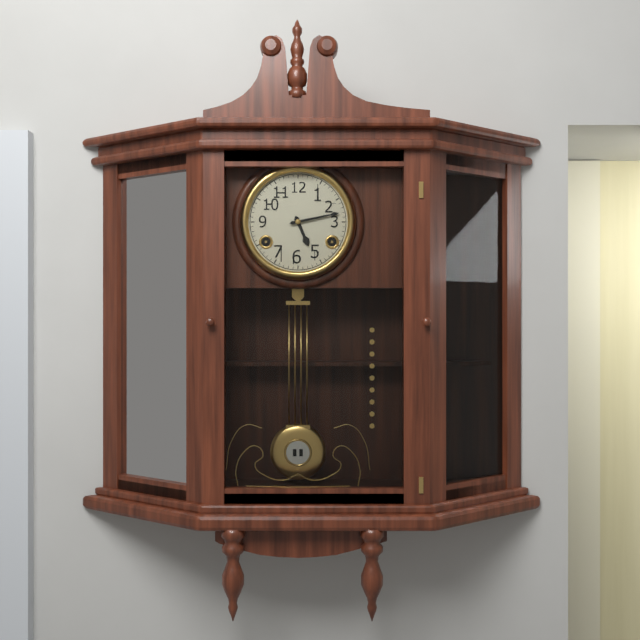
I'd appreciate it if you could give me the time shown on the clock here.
5:13
